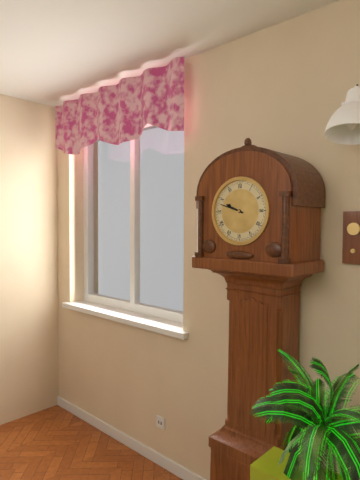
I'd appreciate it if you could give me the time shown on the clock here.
9:48
